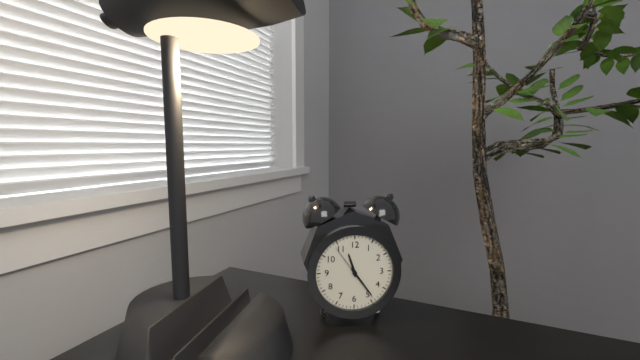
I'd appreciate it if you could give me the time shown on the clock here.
11:24
